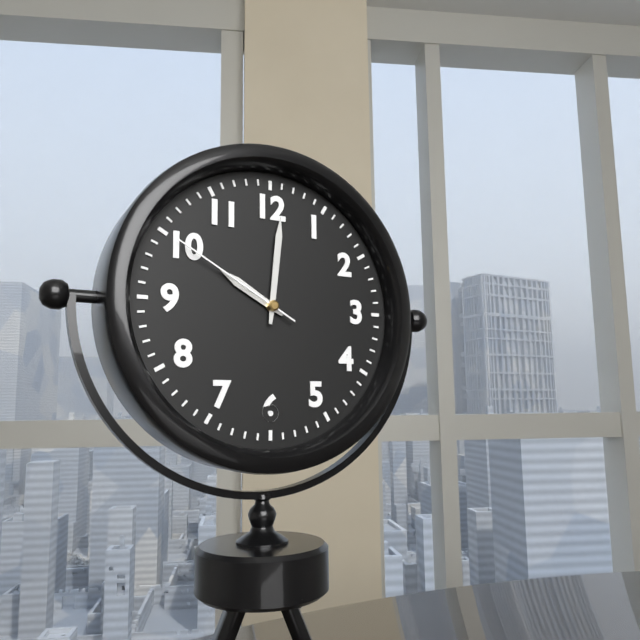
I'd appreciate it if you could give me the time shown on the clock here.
10:01:50
